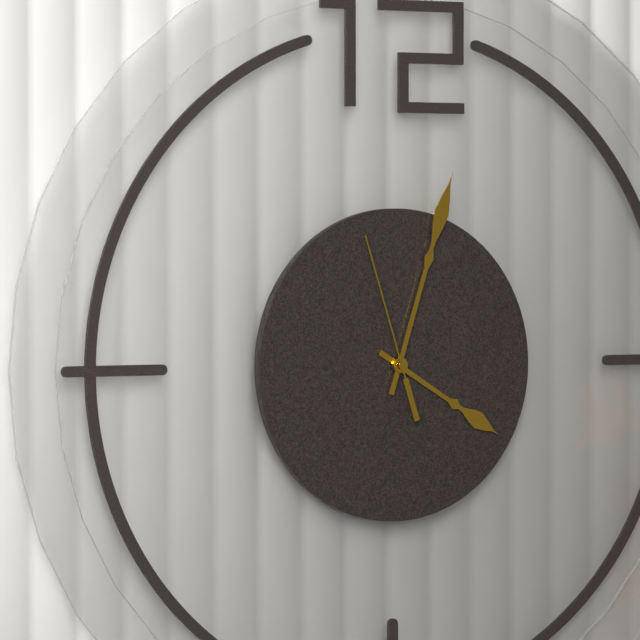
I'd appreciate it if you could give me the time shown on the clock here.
4:03:57
